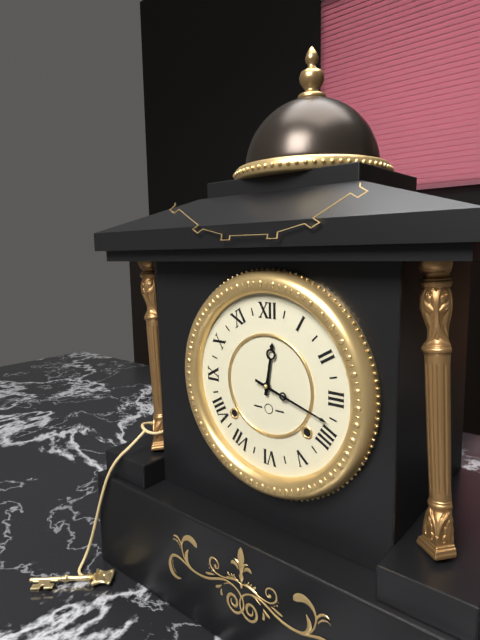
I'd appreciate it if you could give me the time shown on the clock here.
12:18
